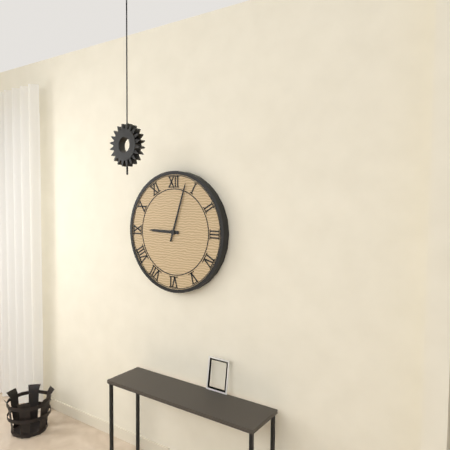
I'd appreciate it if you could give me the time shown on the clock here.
9:03
